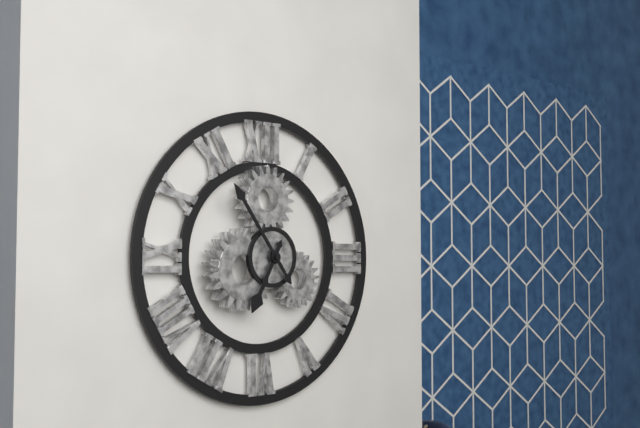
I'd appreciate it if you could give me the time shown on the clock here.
6:54
